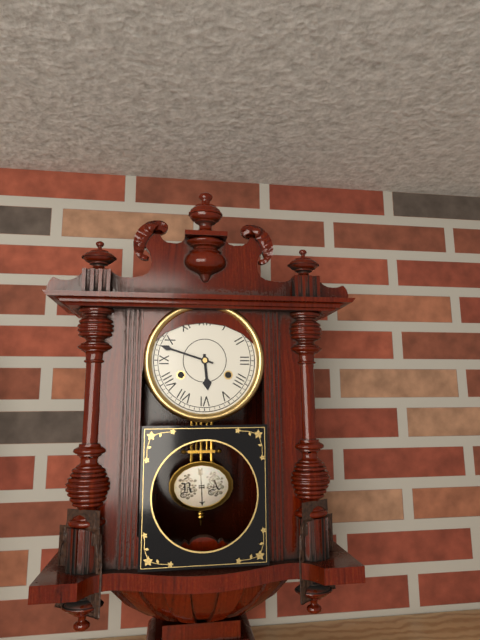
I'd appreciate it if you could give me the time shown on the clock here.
5:48
